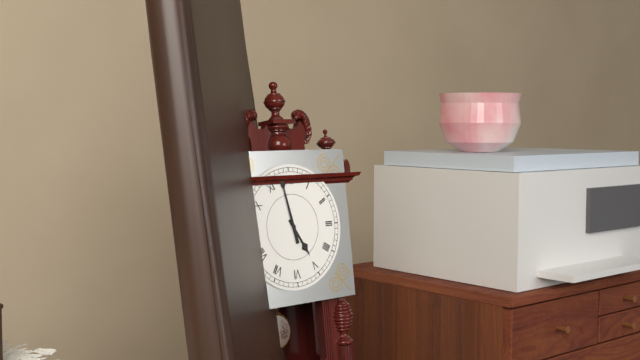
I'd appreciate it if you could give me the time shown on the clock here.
4:58
